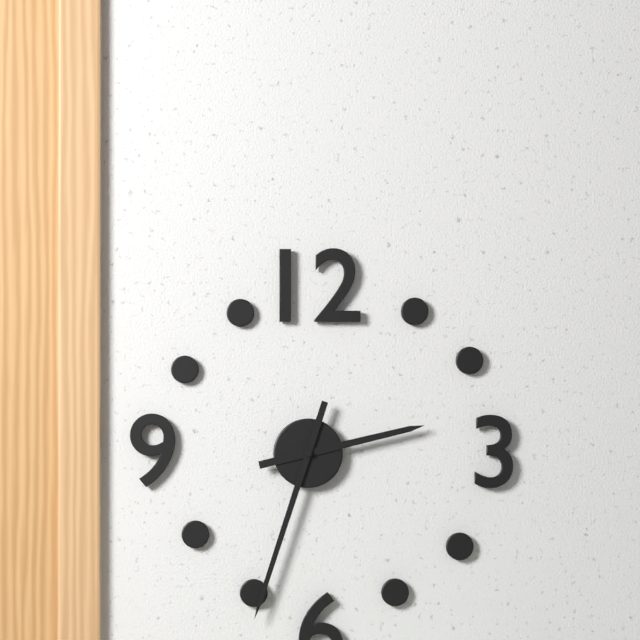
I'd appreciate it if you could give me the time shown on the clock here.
2:33
